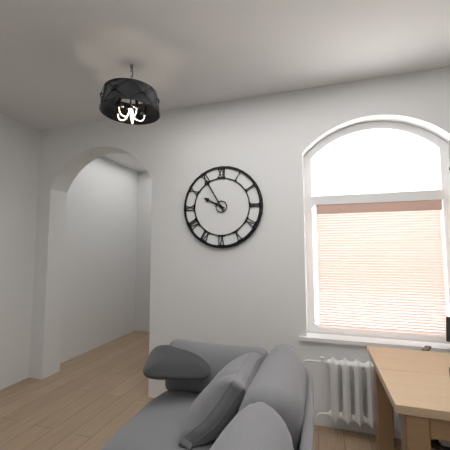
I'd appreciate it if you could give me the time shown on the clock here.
9:55
